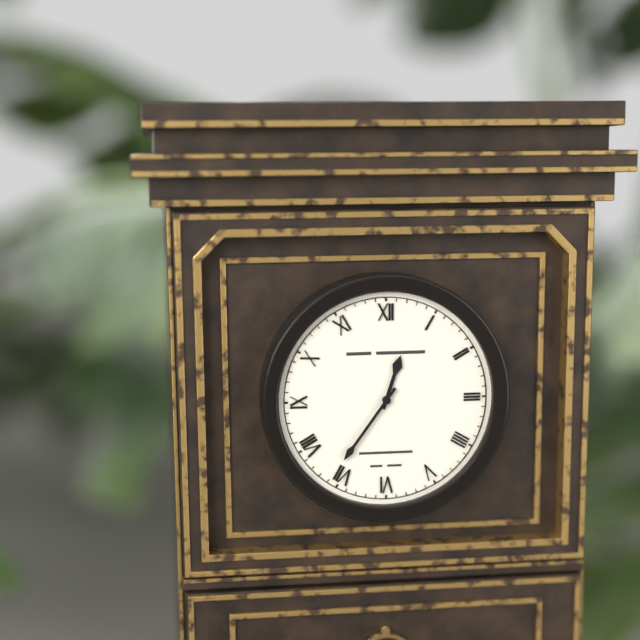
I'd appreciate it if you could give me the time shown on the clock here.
12:36
